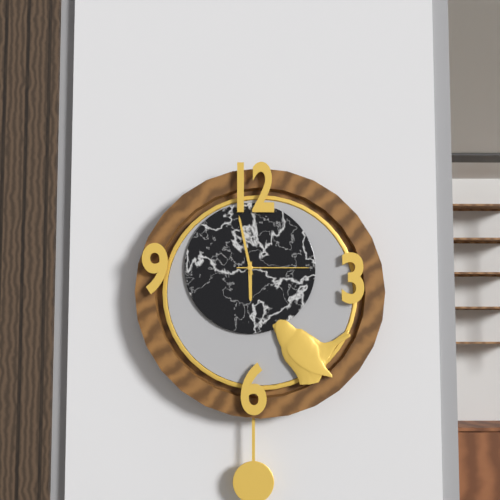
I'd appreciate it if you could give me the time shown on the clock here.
5:58:15
